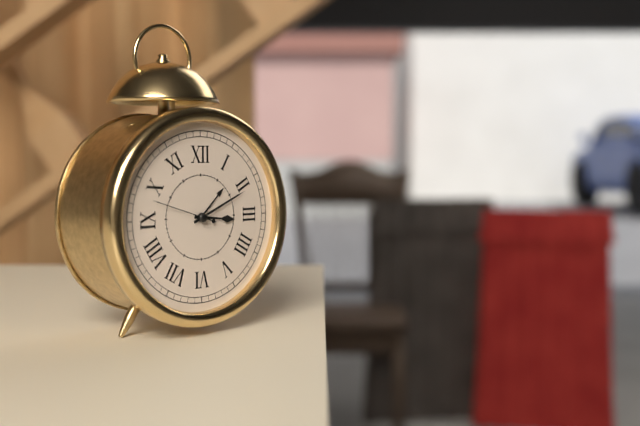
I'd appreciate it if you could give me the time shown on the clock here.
3:11:48
